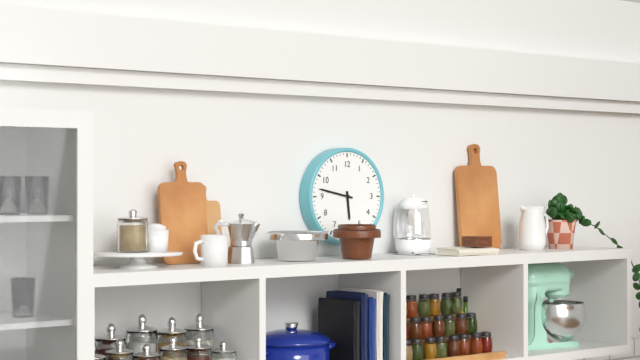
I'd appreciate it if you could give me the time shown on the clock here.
5:47
